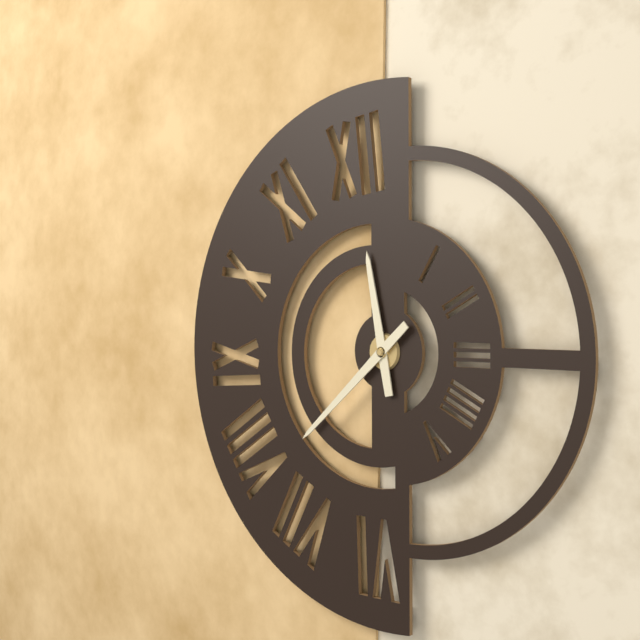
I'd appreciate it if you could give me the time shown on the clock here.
11:38
